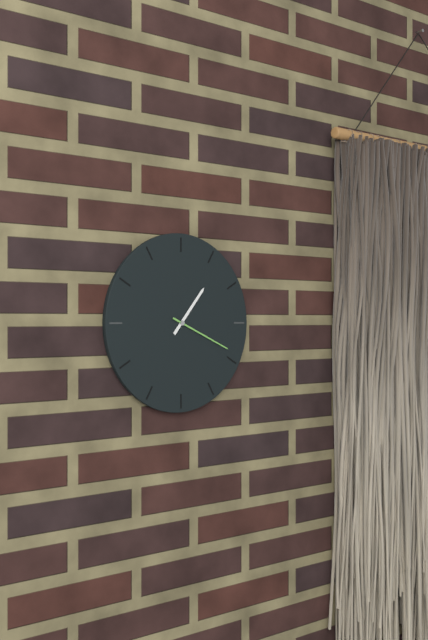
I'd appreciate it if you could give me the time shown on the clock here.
1:19
